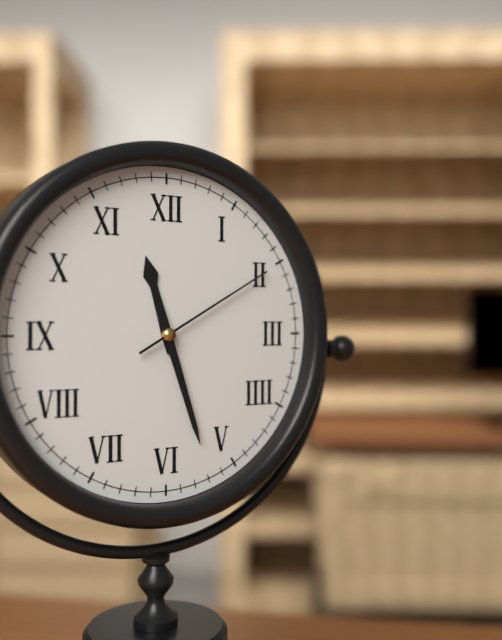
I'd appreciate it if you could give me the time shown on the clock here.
11:27:10
